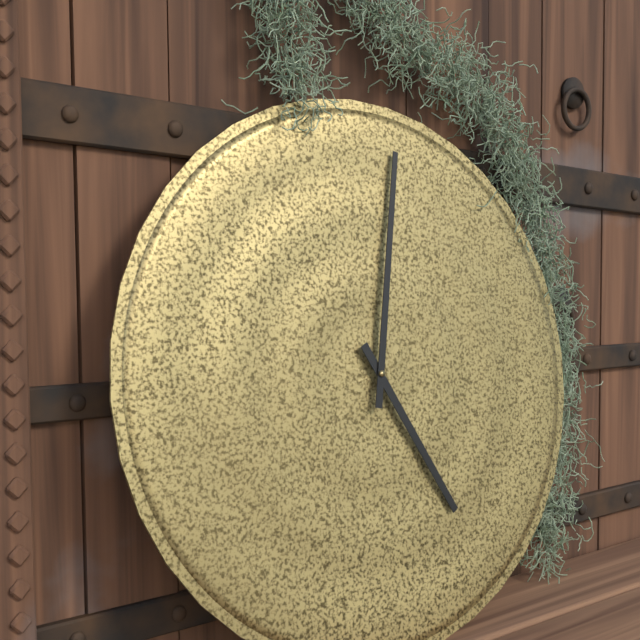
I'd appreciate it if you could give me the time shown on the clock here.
5:02
